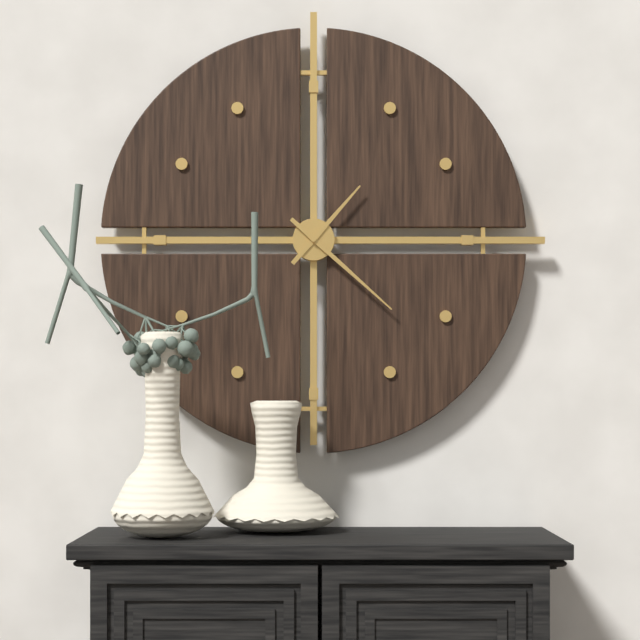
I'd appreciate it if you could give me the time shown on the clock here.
1:22
